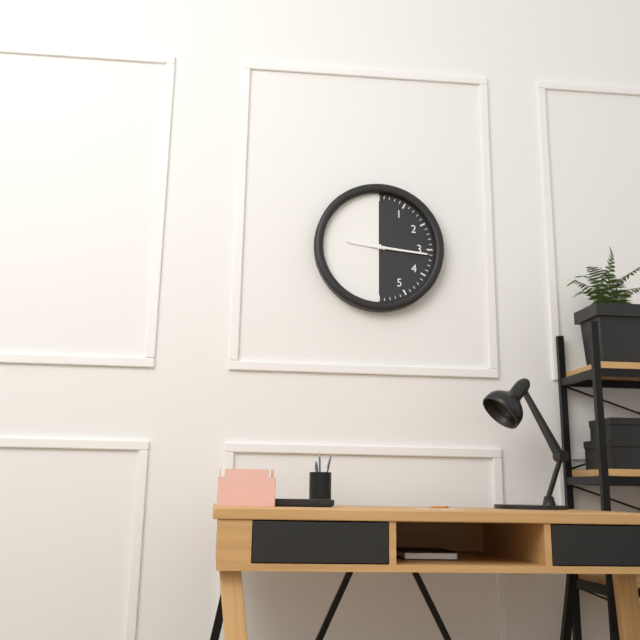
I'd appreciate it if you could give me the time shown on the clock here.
9:16
